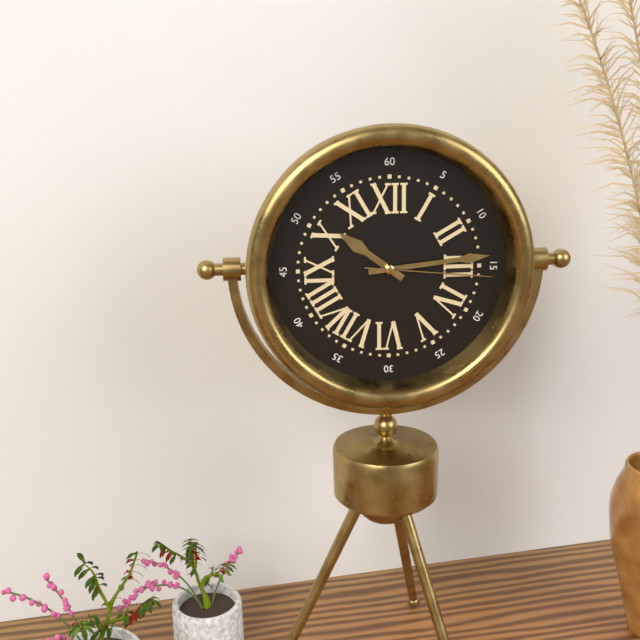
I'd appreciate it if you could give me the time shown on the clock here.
10:14:16
